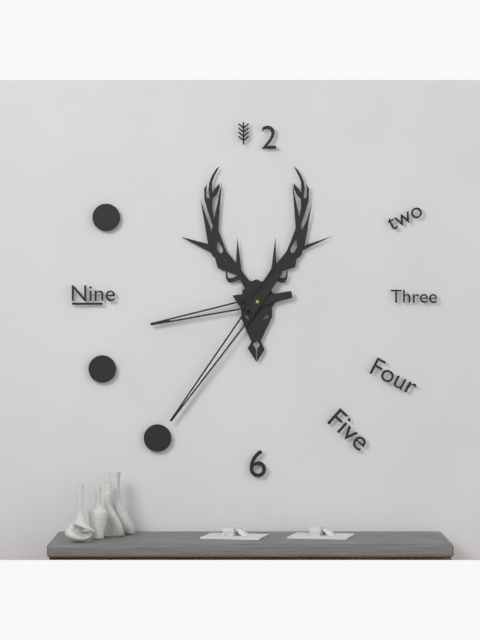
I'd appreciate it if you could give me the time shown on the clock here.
8:36
